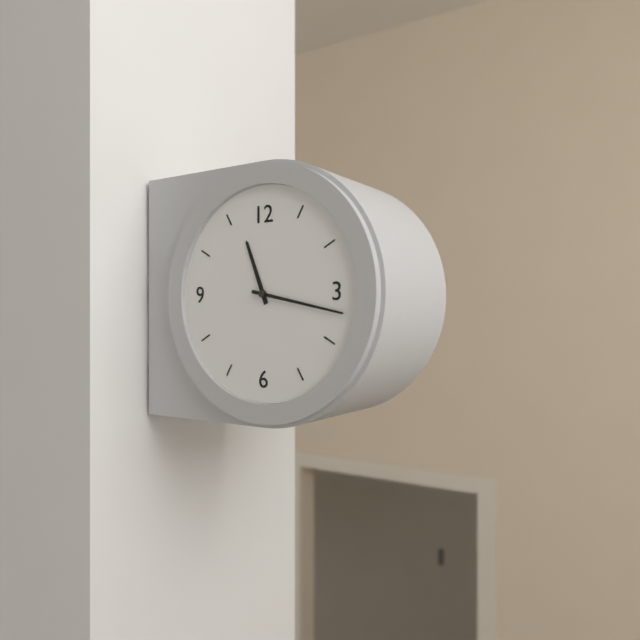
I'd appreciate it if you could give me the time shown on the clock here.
11:17
